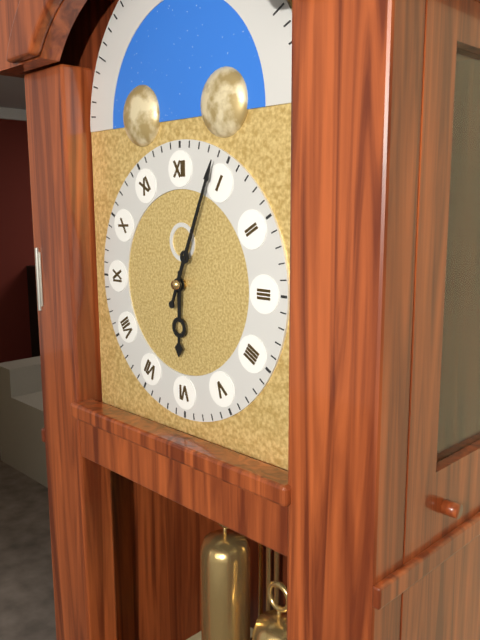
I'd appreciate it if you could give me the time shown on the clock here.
6:04
